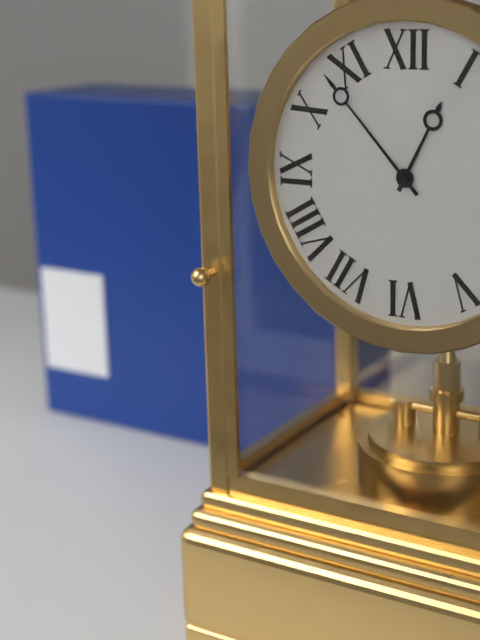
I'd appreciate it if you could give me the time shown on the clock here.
12:53
